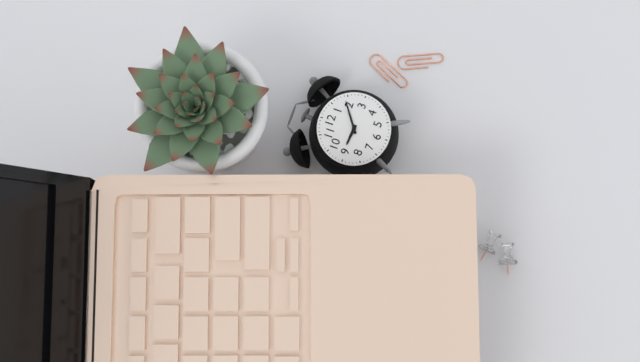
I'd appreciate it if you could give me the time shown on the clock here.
9:09
